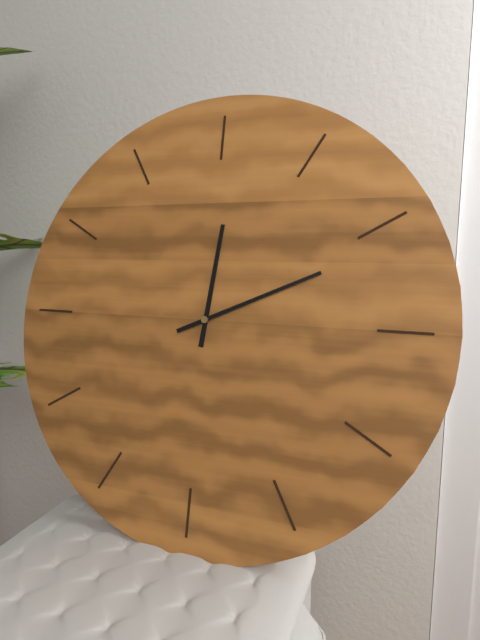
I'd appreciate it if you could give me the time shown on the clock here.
12:11
